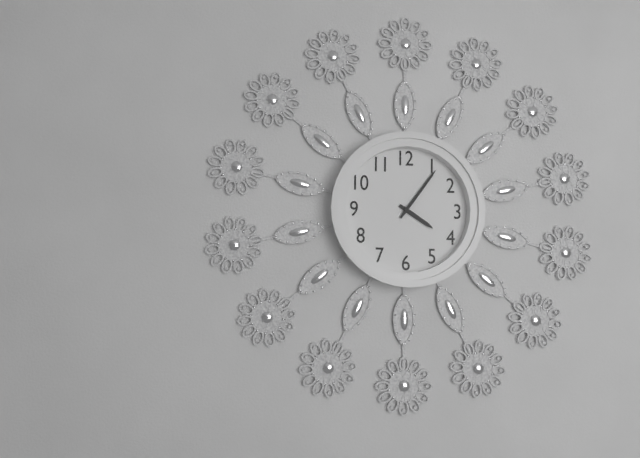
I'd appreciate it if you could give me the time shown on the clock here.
4:06
